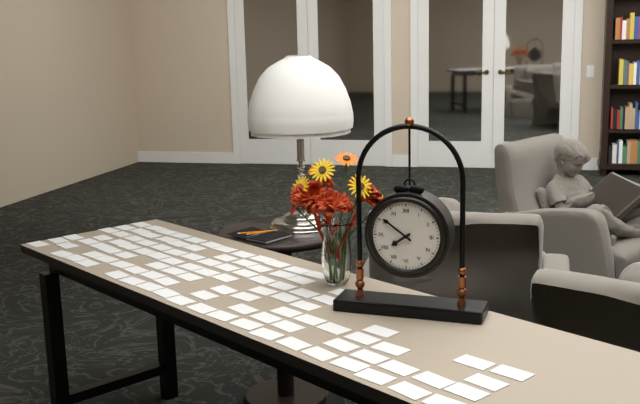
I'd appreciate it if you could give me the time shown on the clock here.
7:51
